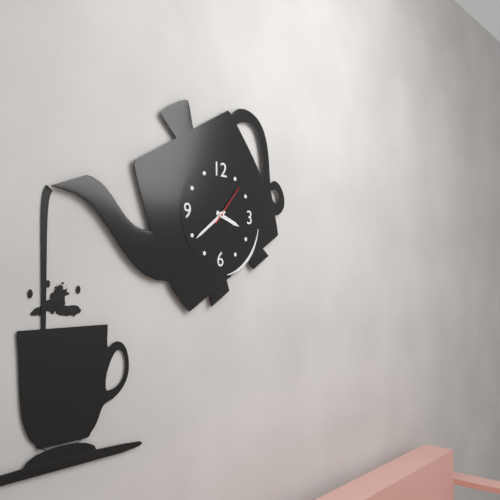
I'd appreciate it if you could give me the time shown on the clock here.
3:39
